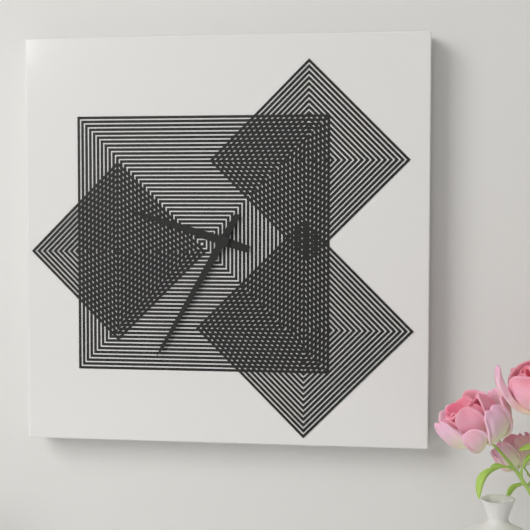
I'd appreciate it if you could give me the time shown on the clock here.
9:35
